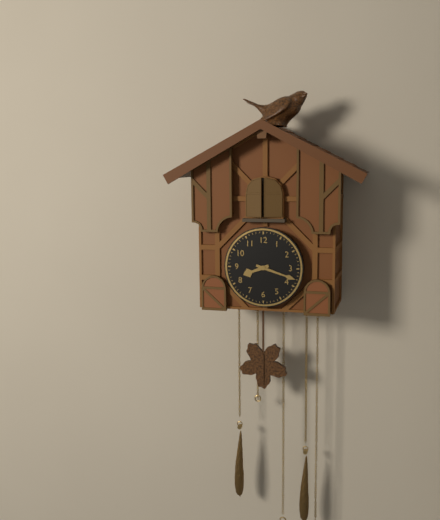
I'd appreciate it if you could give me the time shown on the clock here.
8:18
